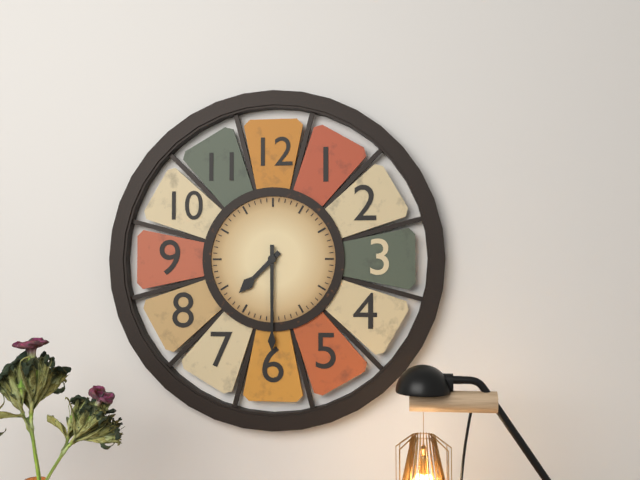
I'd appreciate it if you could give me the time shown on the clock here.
7:30
